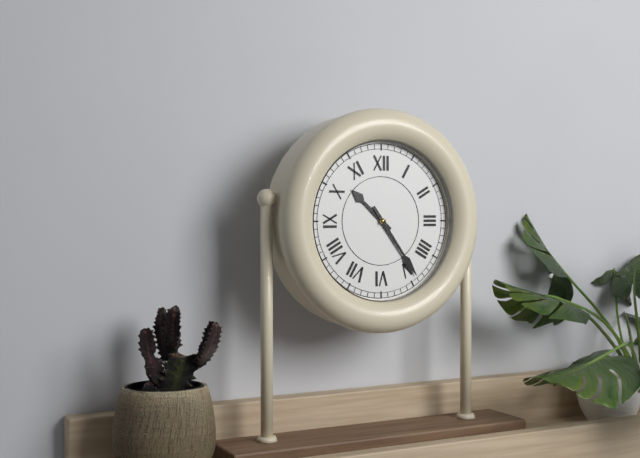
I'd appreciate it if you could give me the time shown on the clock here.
10:24
